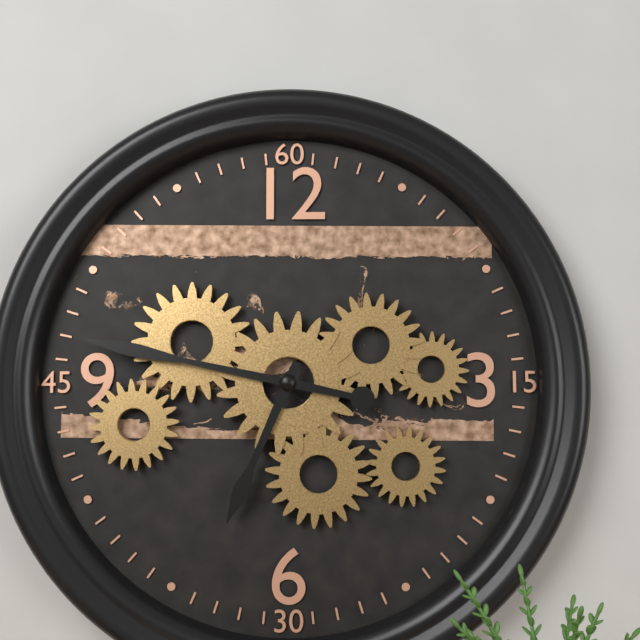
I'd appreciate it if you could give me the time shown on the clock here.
6:47
